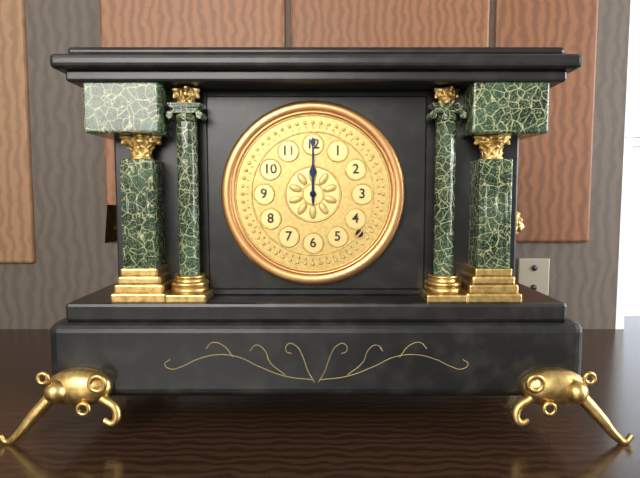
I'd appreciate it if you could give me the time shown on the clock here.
12:00
